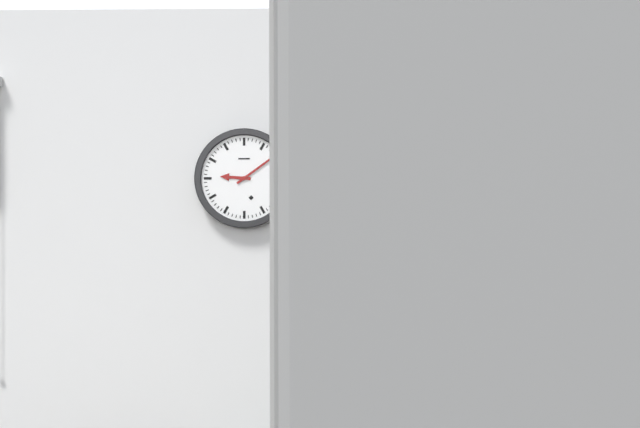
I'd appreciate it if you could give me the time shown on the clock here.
9:09
